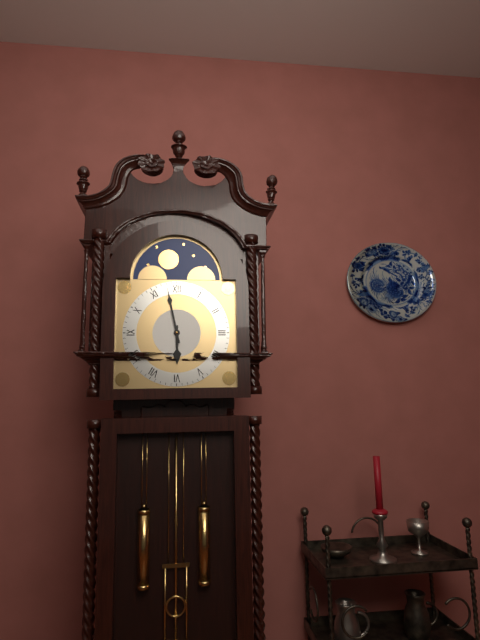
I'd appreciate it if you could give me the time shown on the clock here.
5:58
